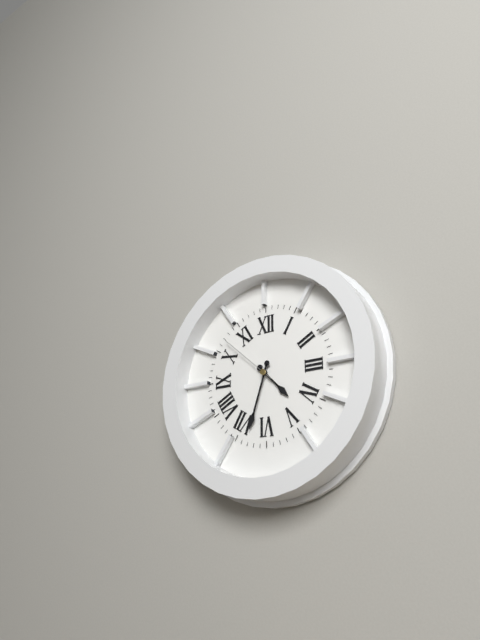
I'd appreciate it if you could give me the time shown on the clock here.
4:33:52
